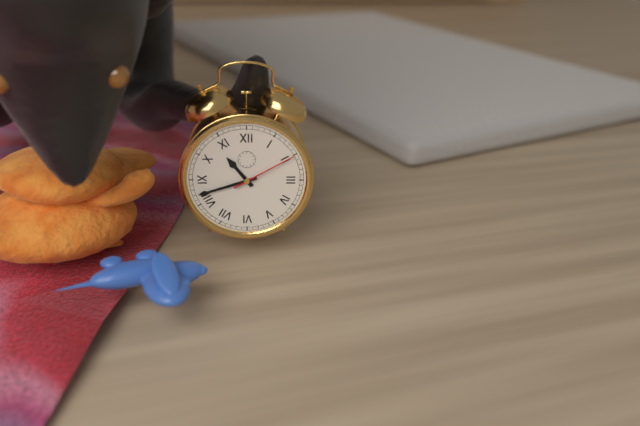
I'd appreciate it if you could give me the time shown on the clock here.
10:42:10
